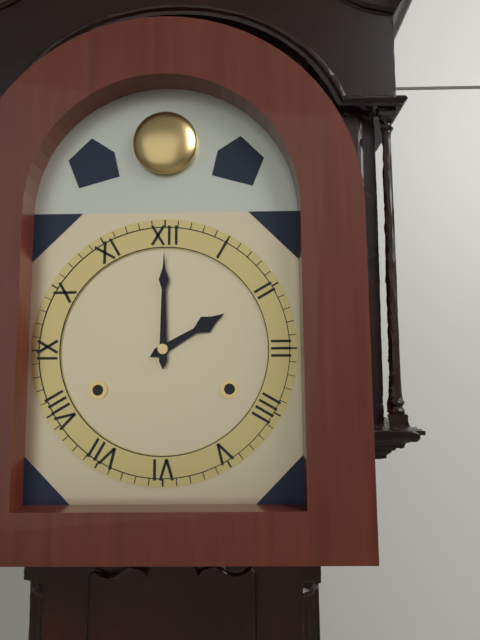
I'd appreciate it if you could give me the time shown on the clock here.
2:00
